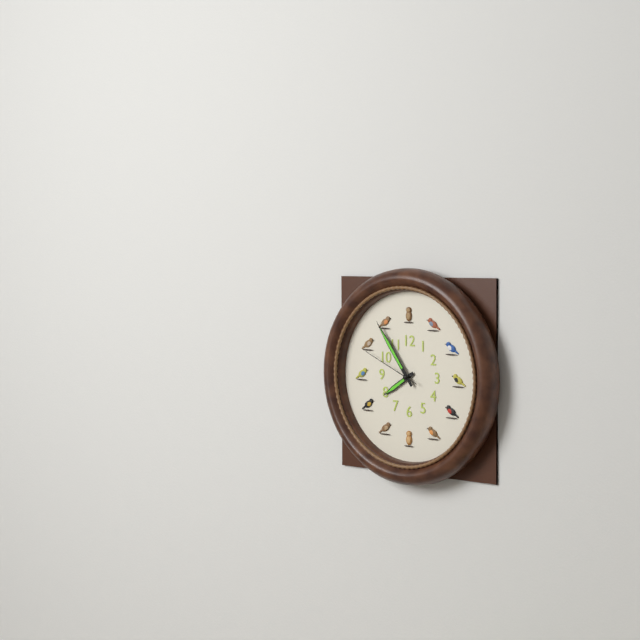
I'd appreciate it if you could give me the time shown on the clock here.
7:54:49
